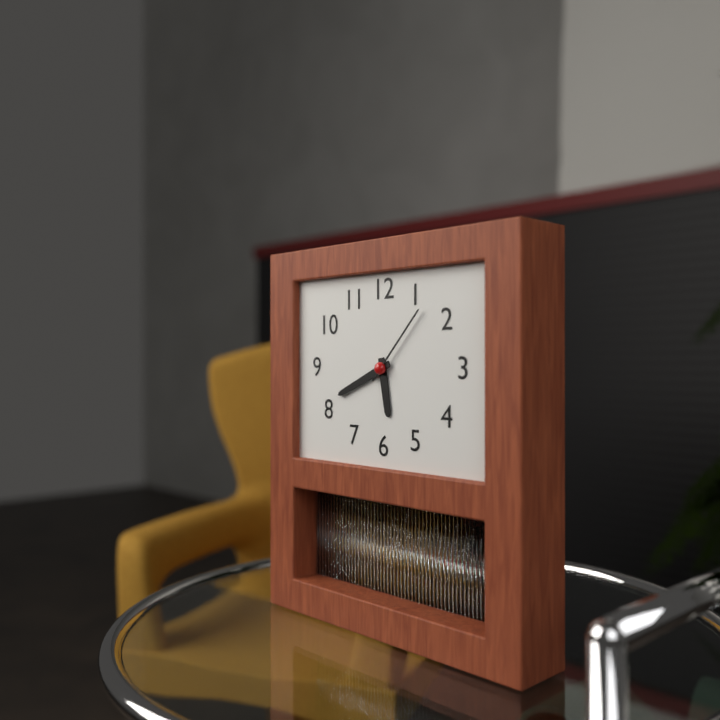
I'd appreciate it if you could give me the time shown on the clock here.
5:41:07
